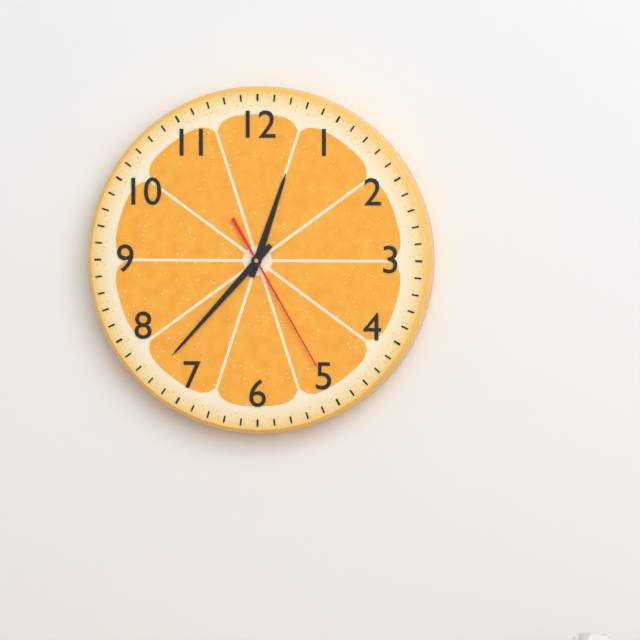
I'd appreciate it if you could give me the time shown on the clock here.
12:37:25
